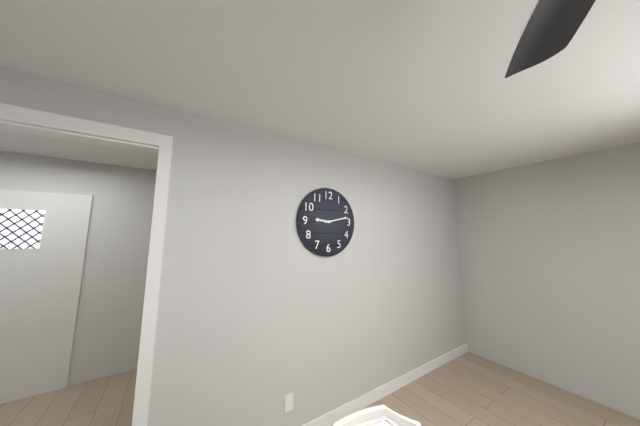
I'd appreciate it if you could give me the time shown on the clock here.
9:13
